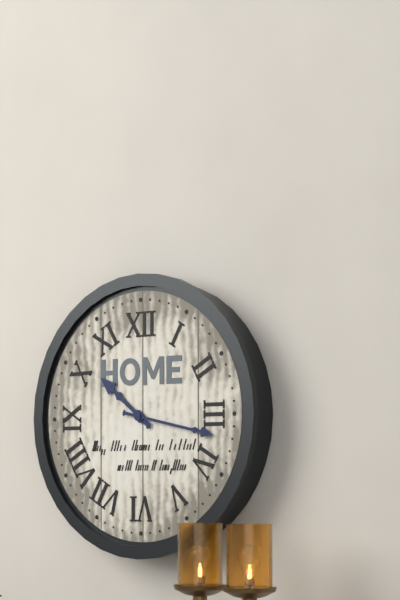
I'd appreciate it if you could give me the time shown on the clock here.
10:17
